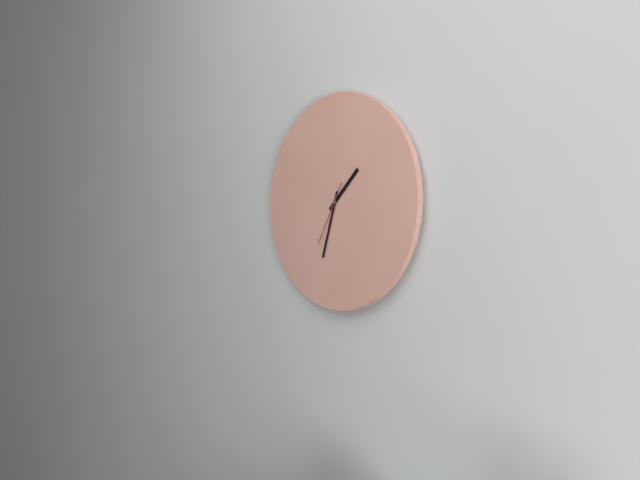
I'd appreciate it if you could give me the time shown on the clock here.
1:33:35
